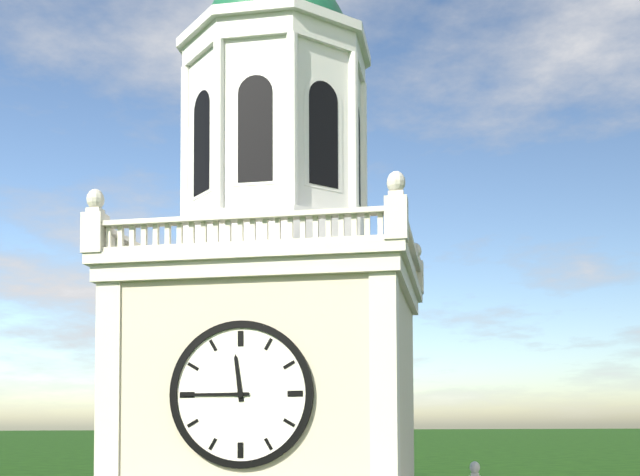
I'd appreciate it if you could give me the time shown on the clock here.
11:45
